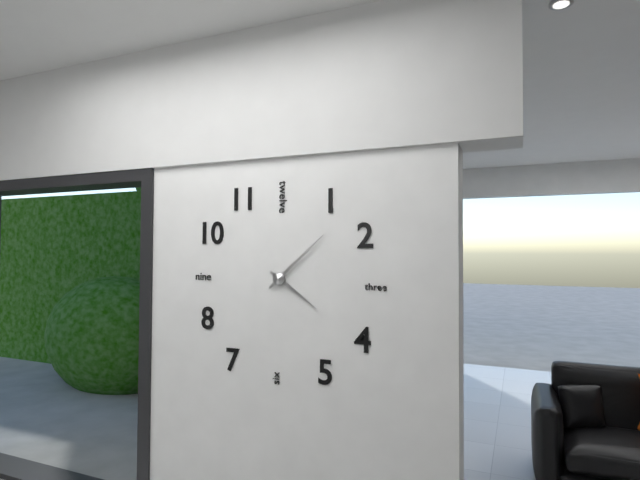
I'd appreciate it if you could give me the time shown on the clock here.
4:08
